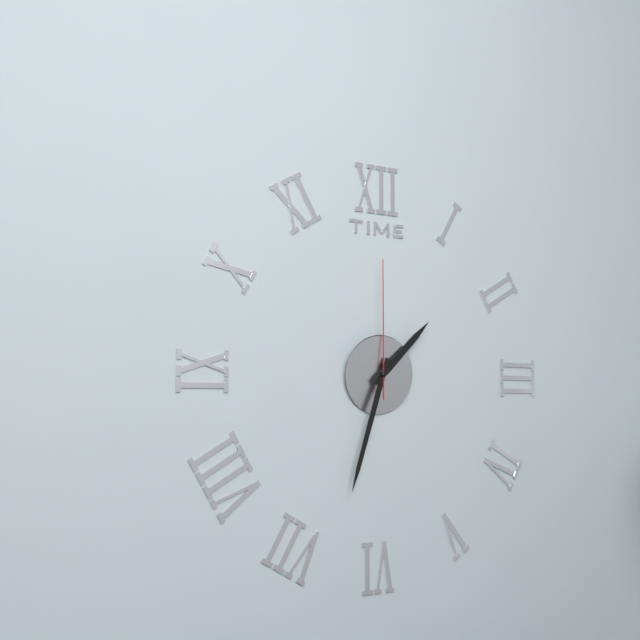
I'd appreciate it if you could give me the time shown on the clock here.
1:33:00
